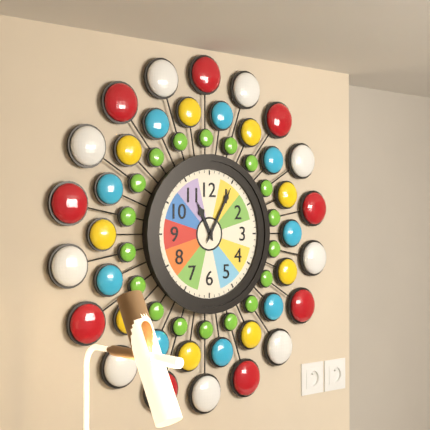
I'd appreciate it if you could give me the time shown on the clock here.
11:05
